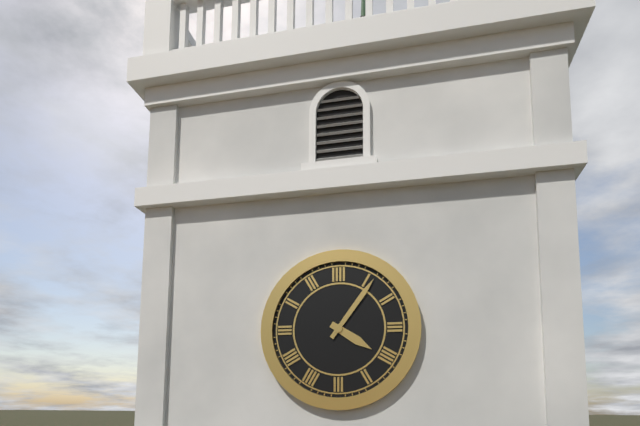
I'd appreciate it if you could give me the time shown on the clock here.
4:06
